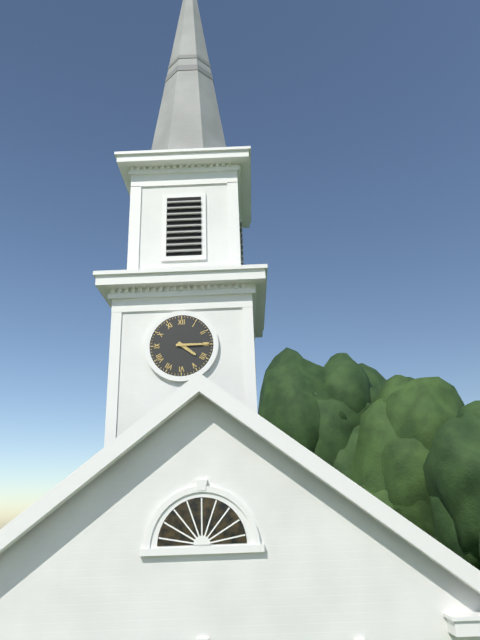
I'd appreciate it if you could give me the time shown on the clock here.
4:15
